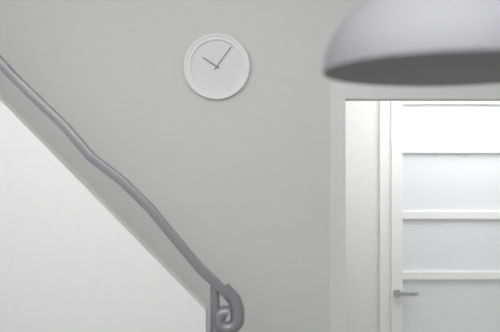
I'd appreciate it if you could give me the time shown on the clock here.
10:06
